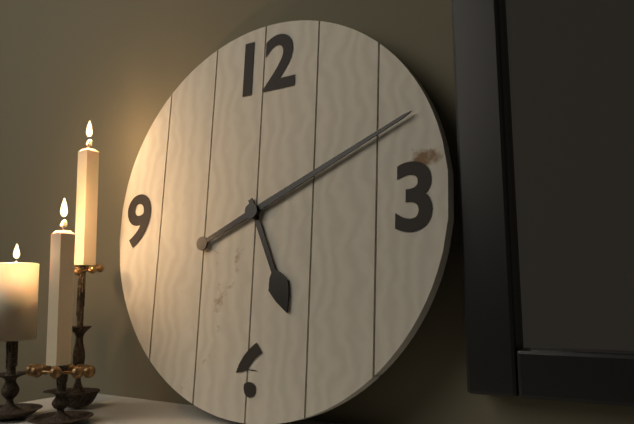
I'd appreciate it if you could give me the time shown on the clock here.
5:11
